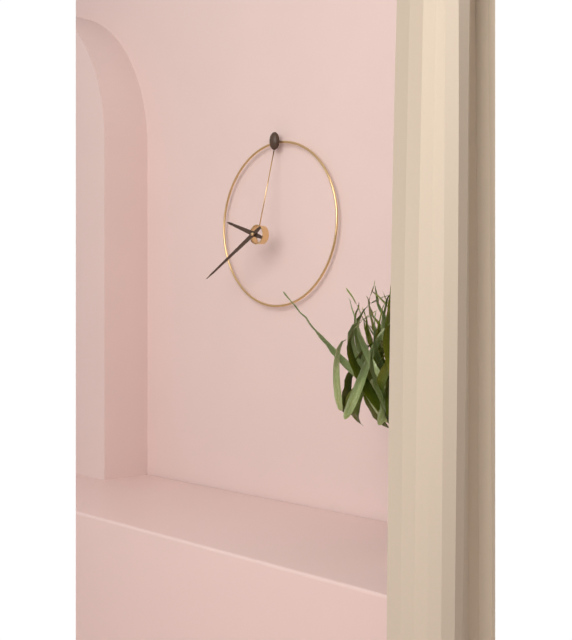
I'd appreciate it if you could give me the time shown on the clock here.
9:40
